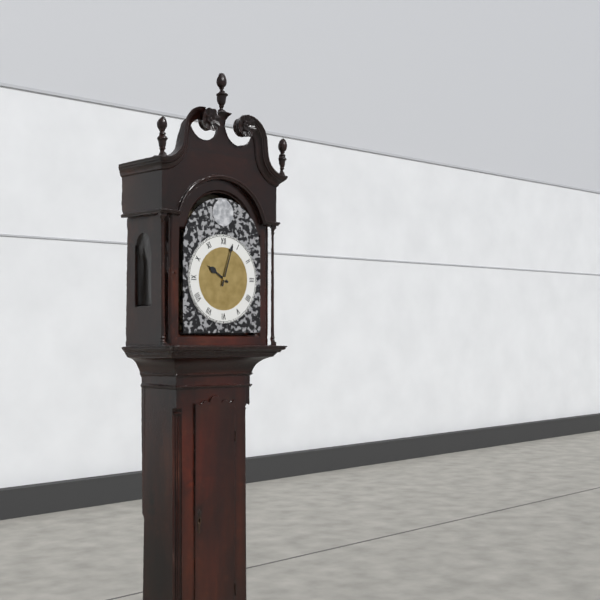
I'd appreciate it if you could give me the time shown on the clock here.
10:03
